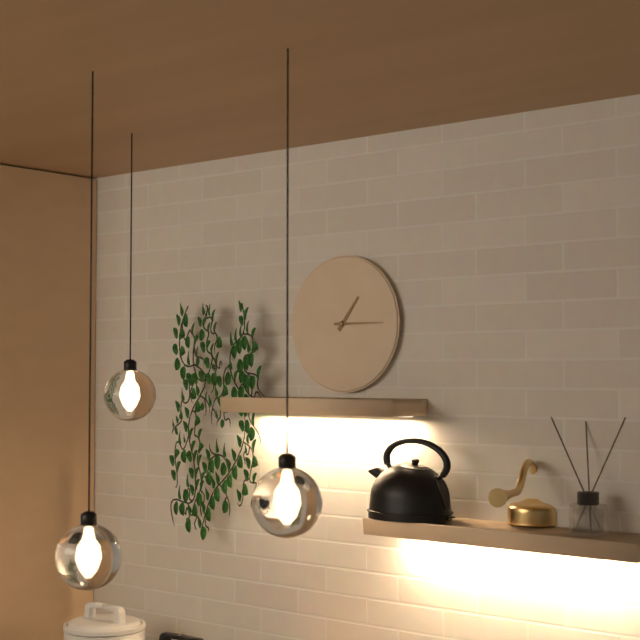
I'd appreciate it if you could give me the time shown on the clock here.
1:15
